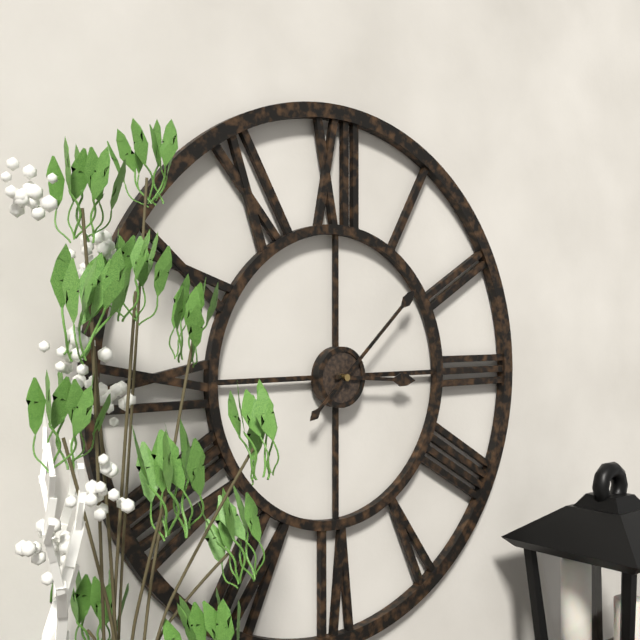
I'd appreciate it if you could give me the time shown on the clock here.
3:08
